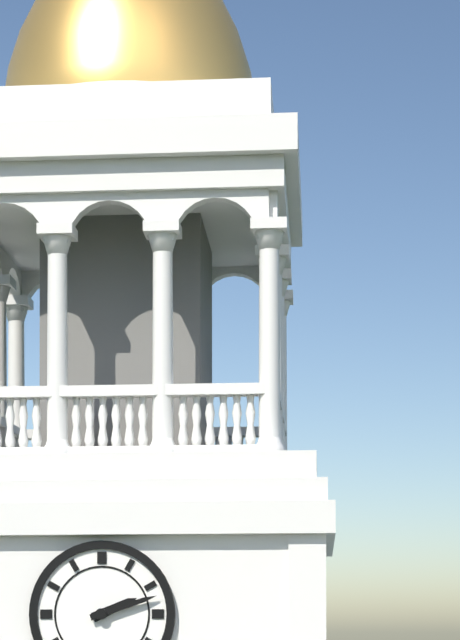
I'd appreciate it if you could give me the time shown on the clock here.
2:12
